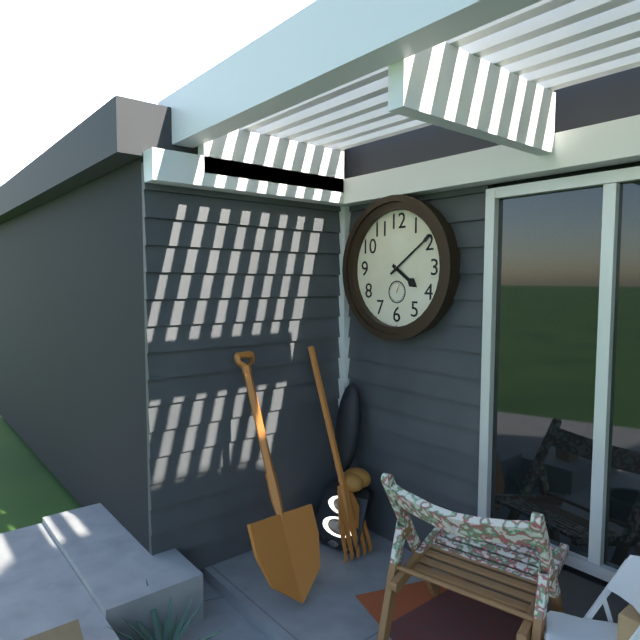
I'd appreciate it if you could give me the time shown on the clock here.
4:09
